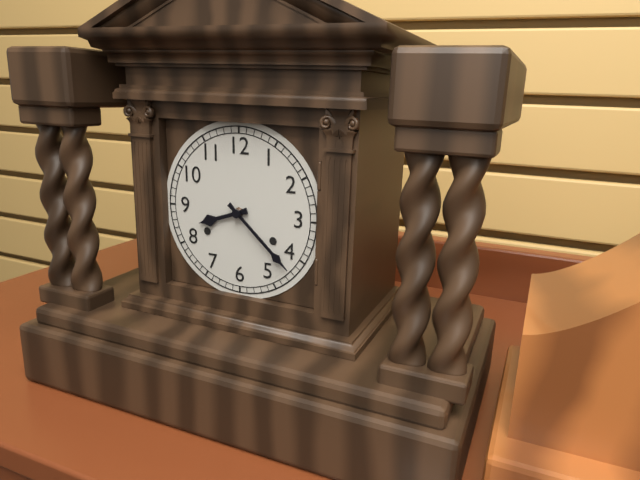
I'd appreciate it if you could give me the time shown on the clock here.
8:22
